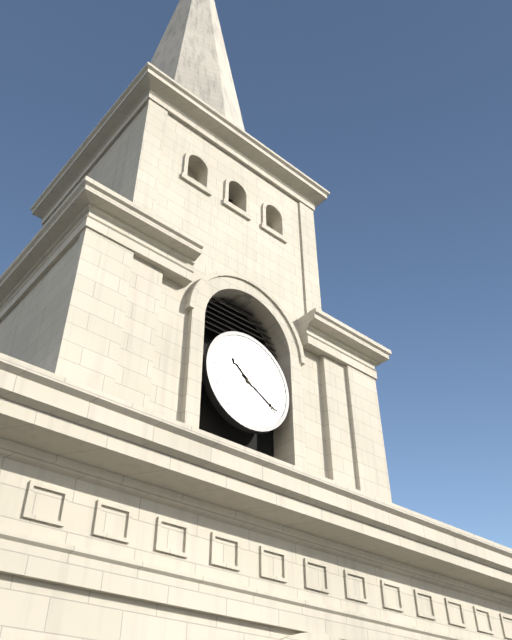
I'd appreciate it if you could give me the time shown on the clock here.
10:20
